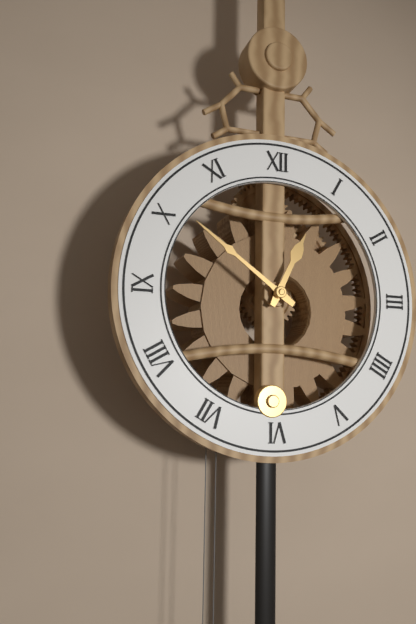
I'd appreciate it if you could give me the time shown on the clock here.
12:51
